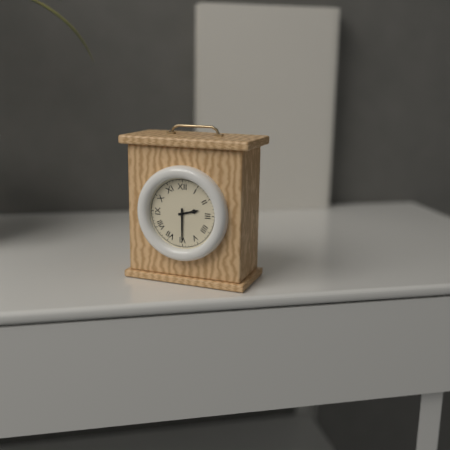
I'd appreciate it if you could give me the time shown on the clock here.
2:30
